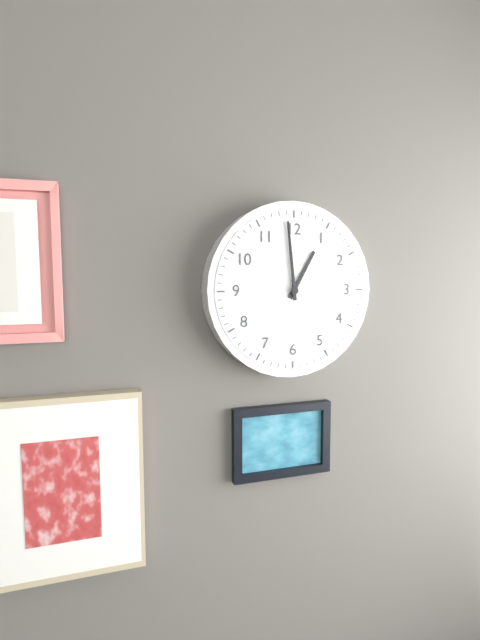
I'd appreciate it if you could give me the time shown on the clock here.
12:59
